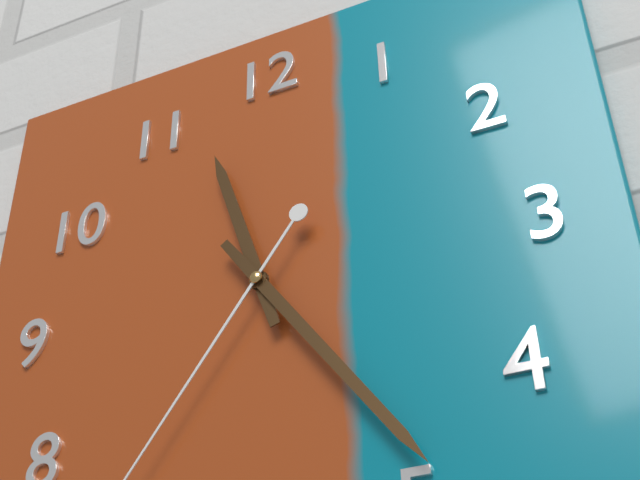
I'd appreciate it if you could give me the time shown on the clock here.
11:24
